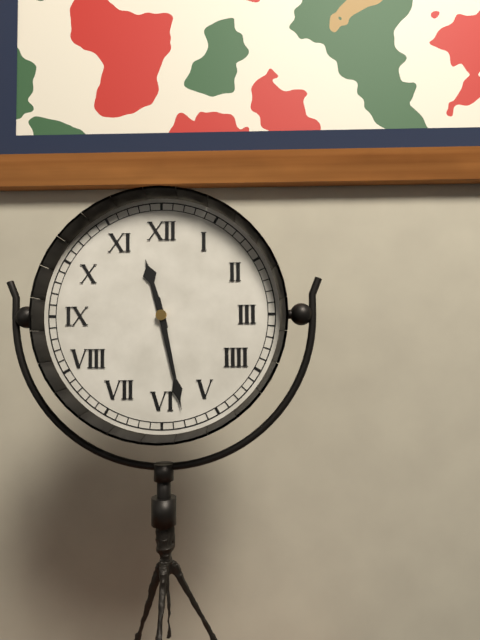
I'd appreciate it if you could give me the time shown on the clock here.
11:28
